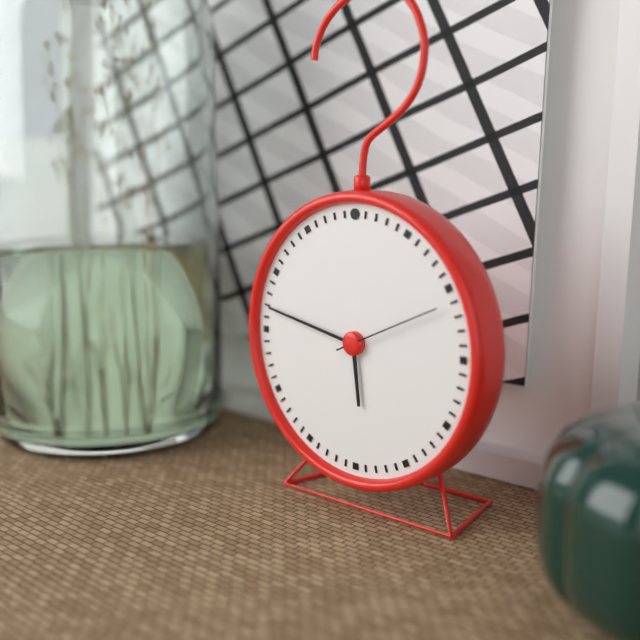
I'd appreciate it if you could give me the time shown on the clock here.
5:47:11
